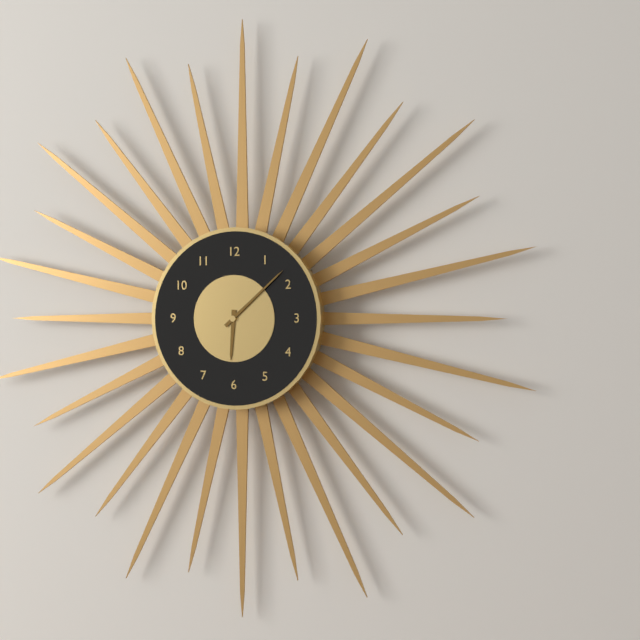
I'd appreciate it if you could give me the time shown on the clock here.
6:08
